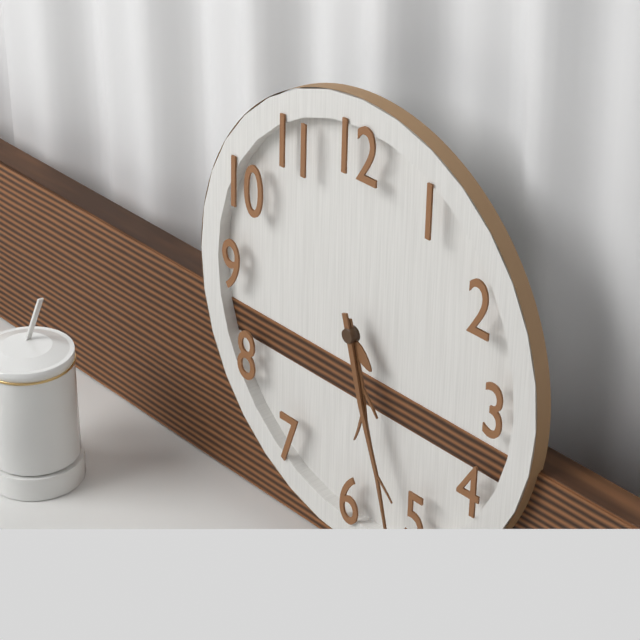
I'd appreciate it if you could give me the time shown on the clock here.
5:27
